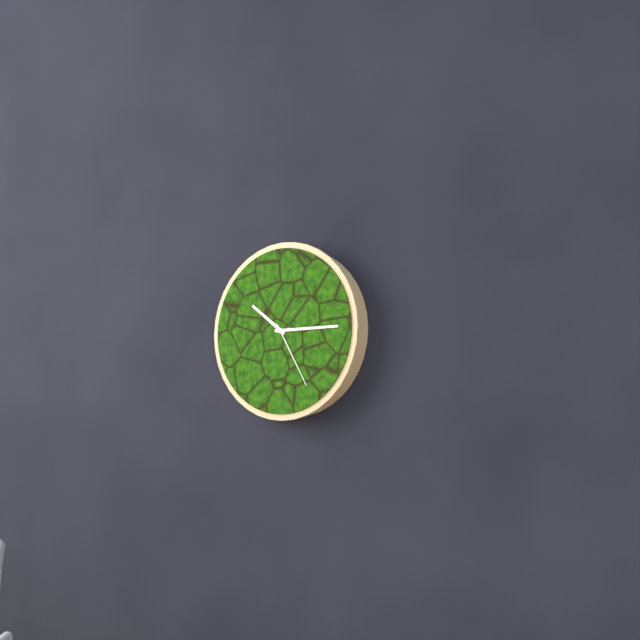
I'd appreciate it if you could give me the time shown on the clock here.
10:15:25
